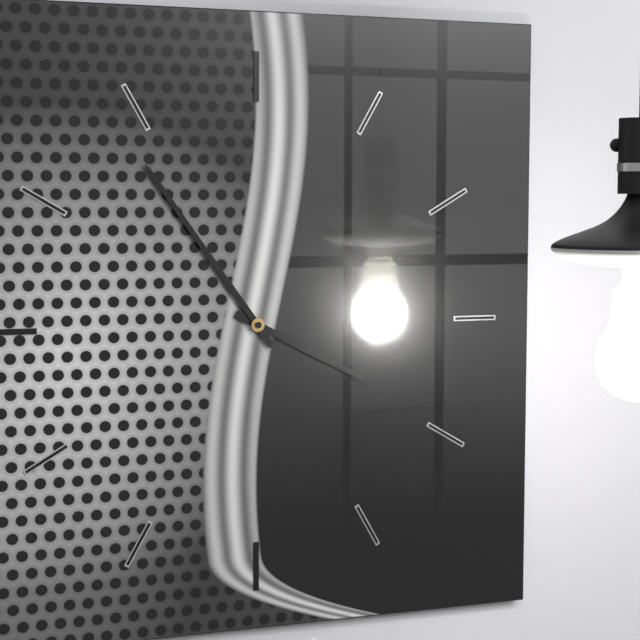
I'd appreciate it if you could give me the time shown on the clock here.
3:54
